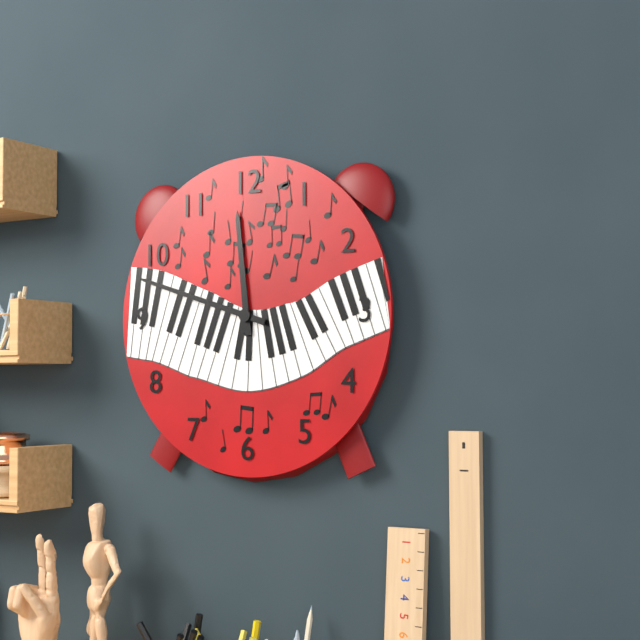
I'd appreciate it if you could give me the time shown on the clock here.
11:48
